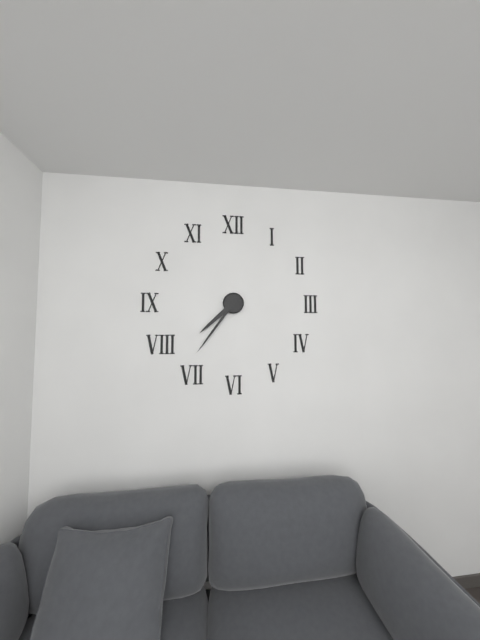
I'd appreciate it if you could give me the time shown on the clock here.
7:36
